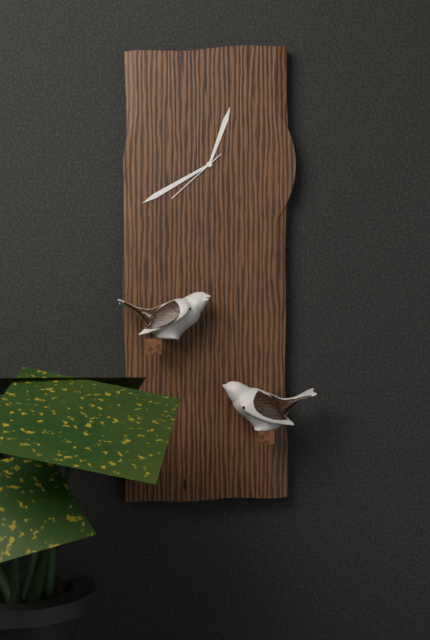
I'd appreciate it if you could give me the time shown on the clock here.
12:40:38
